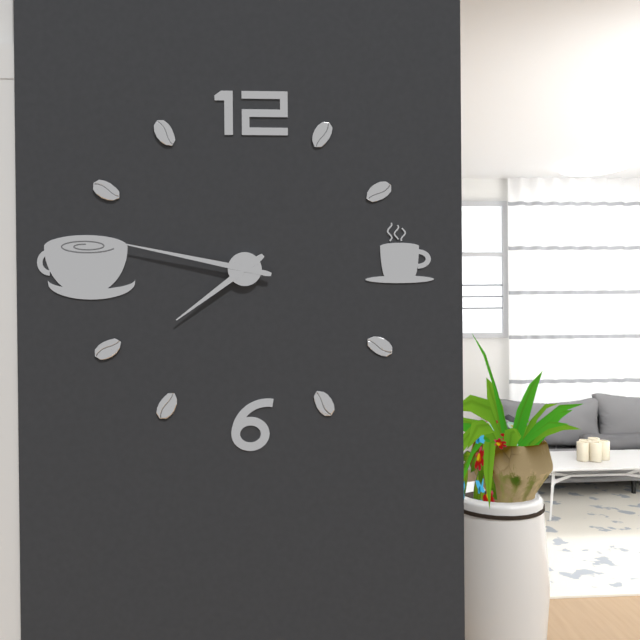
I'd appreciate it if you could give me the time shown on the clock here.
7:47
